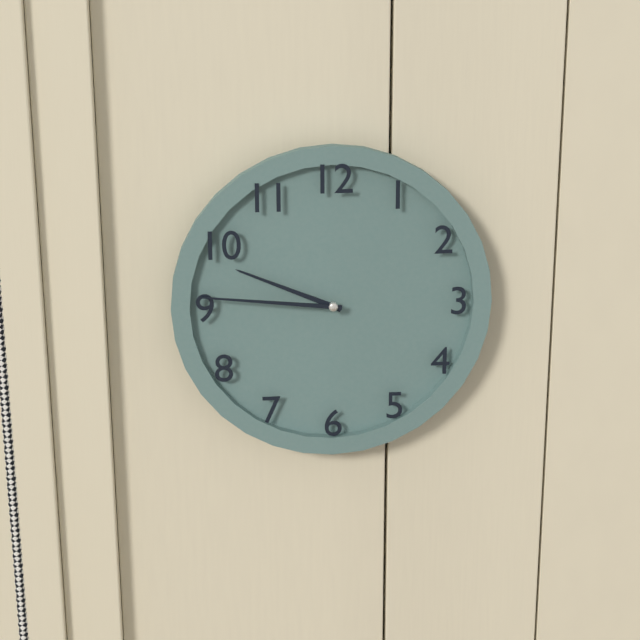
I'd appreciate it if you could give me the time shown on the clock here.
9:46
